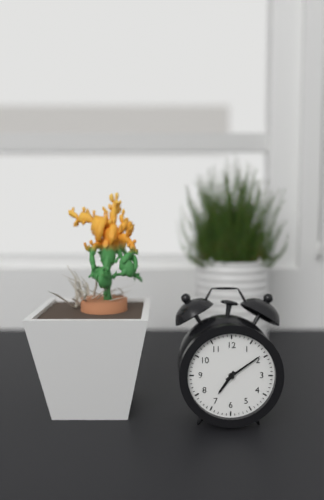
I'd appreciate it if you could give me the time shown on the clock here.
7:09
